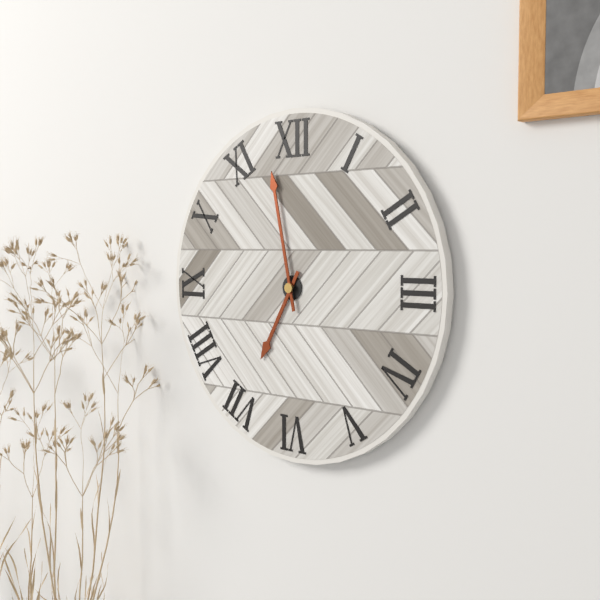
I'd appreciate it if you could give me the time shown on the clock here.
6:58
